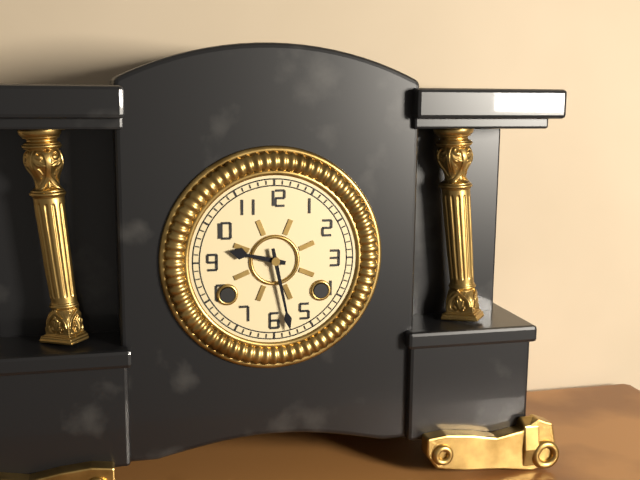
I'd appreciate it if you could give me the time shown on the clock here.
9:28
